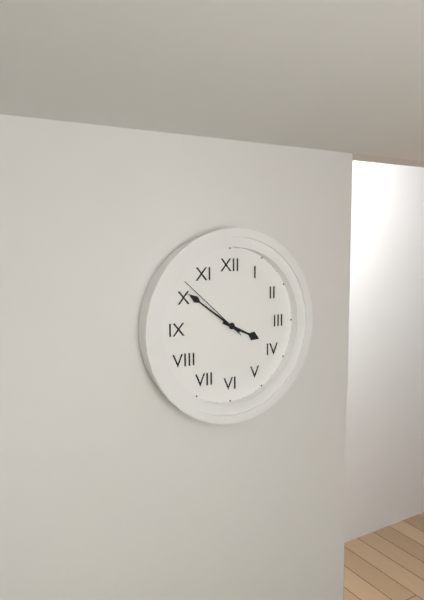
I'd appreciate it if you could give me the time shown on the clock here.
3:51:52
